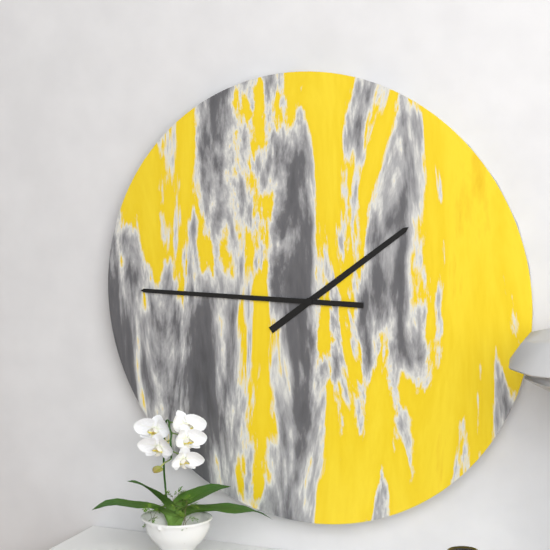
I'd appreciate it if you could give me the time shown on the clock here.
1:45
